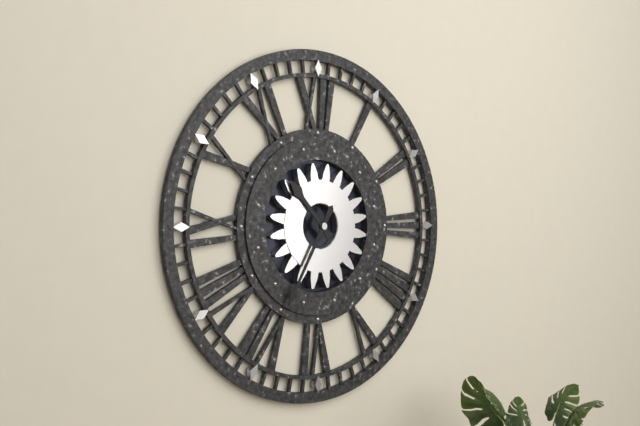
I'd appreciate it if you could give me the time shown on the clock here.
10:35
